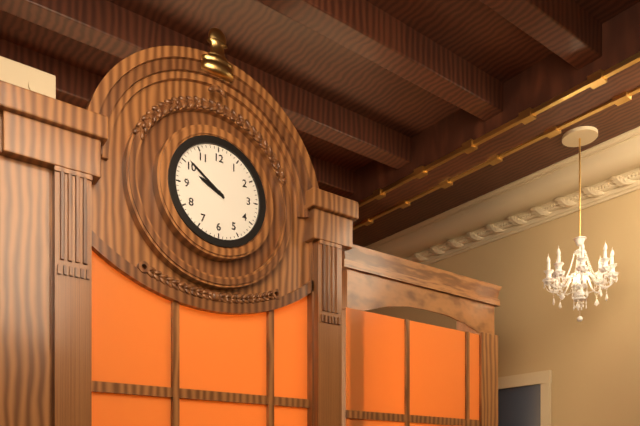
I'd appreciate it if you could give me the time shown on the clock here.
9:51
